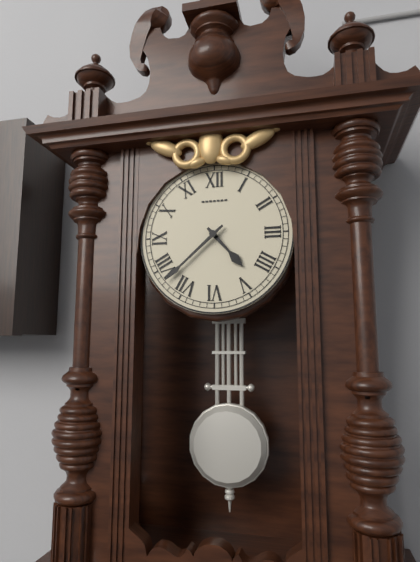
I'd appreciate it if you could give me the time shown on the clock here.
4:38
